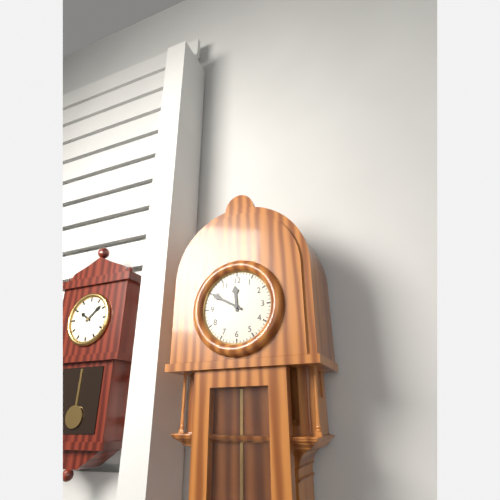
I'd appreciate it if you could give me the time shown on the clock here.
11:50
